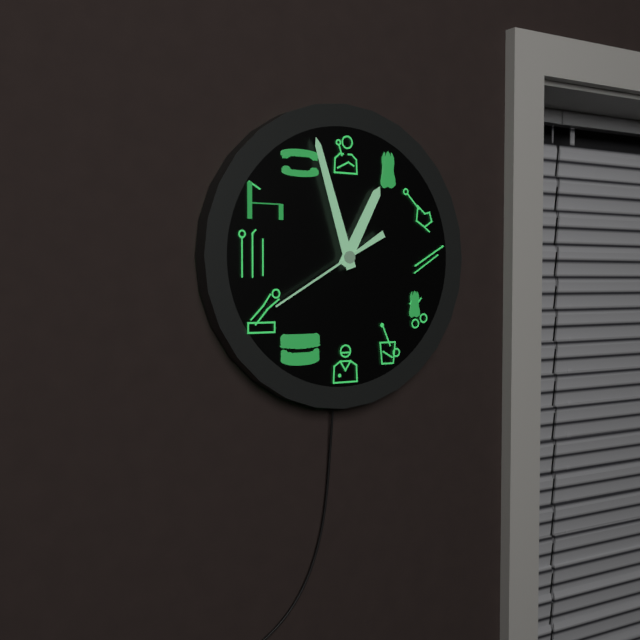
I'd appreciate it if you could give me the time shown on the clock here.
12:57:40
